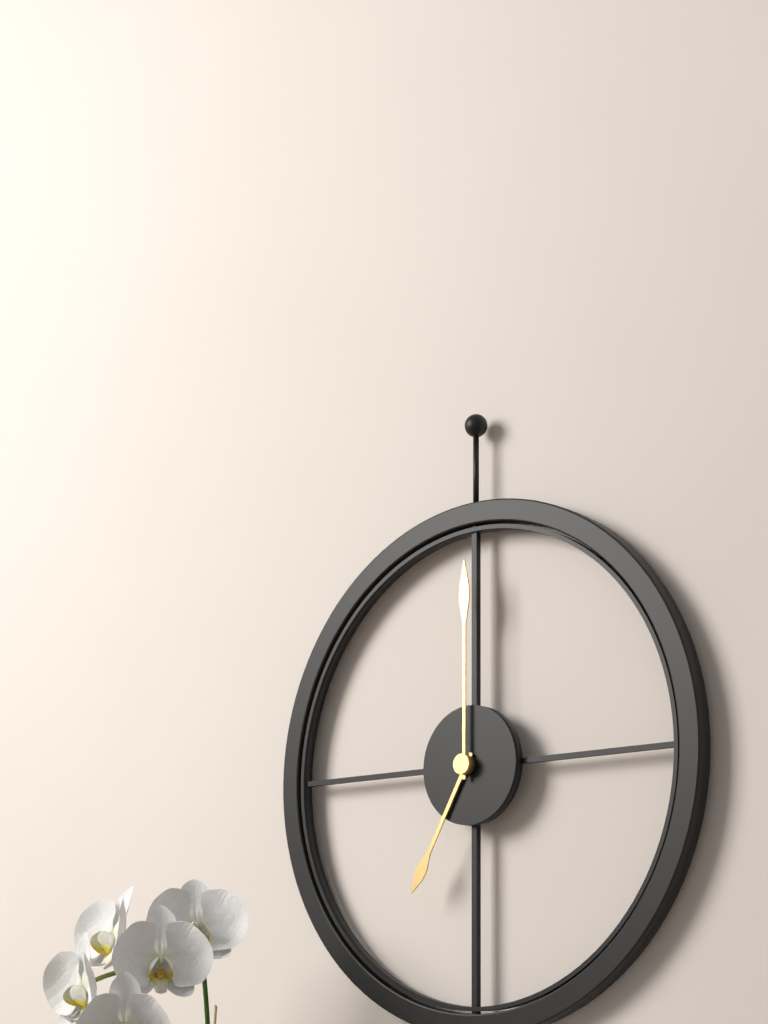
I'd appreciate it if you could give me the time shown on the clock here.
7:00
